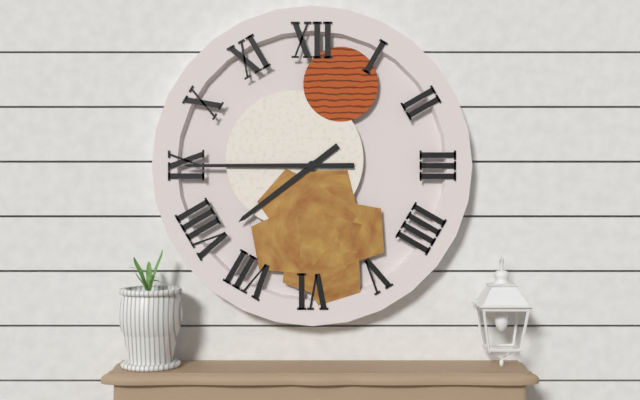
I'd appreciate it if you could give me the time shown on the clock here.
7:45
